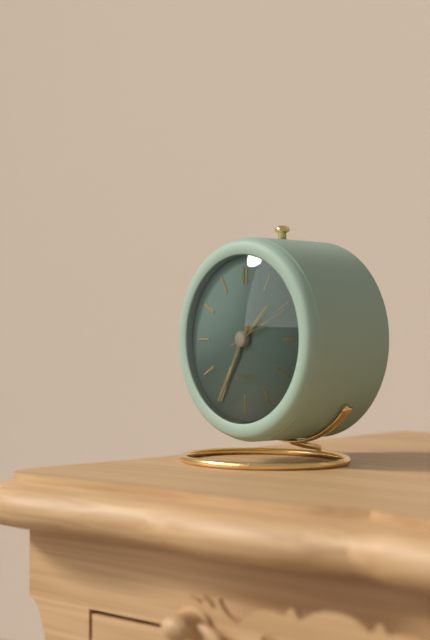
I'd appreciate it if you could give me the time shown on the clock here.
1:35:11
